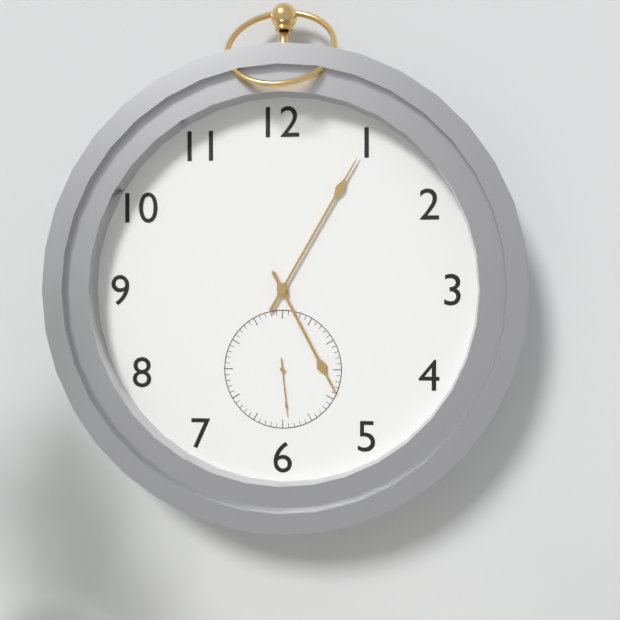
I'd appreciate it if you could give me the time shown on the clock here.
5:05:29
